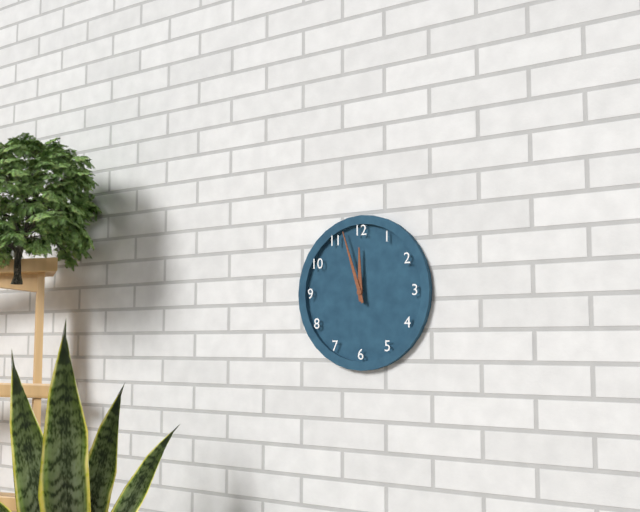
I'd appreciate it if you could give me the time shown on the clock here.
11:57
